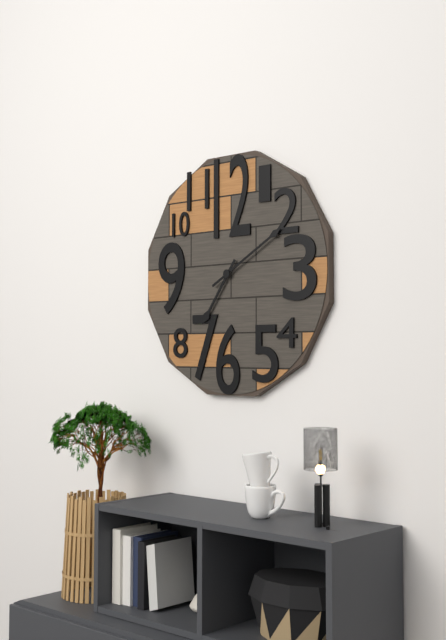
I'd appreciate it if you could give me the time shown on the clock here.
7:10
